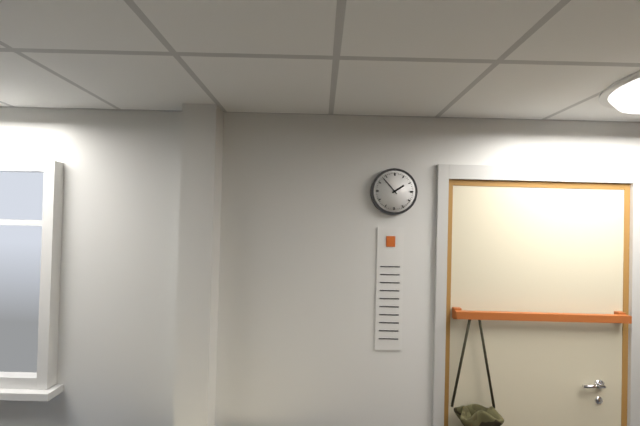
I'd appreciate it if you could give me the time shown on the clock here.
1:53
